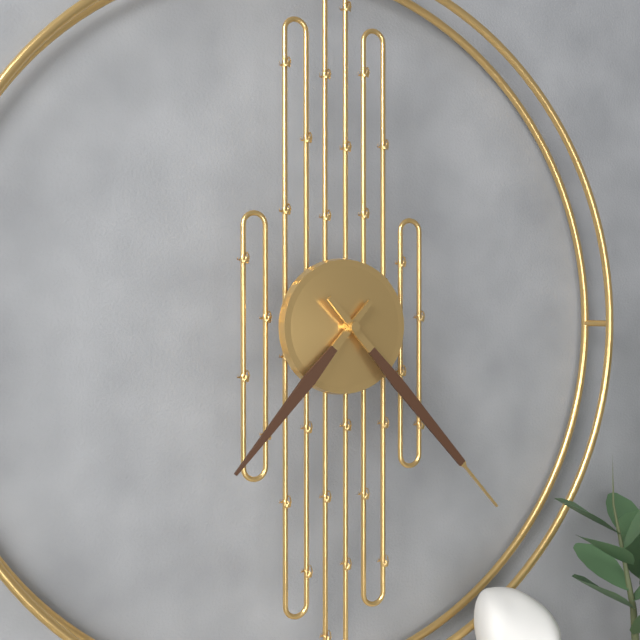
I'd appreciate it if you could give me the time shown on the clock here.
7:23
